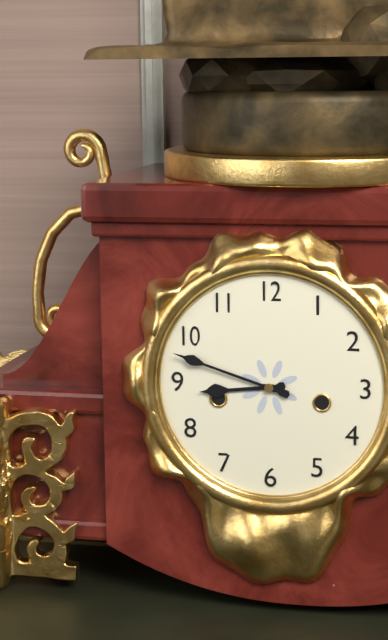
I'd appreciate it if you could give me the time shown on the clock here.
8:48
